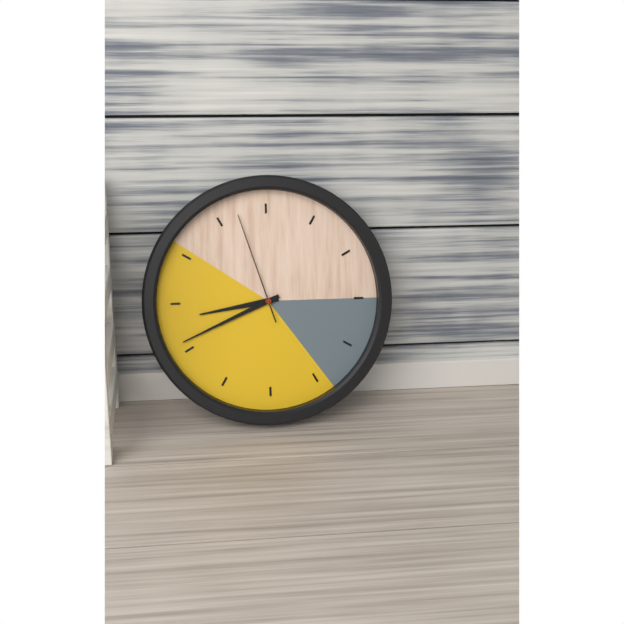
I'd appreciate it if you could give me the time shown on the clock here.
8:41:57
